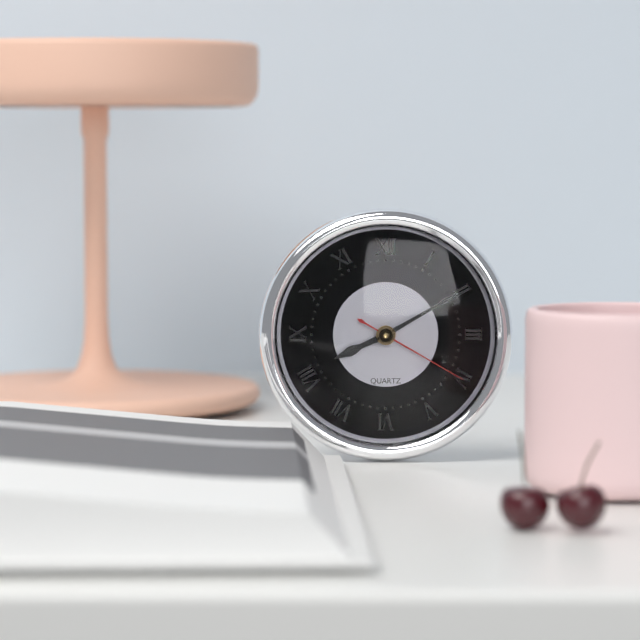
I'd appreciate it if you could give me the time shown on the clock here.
8:10:20
